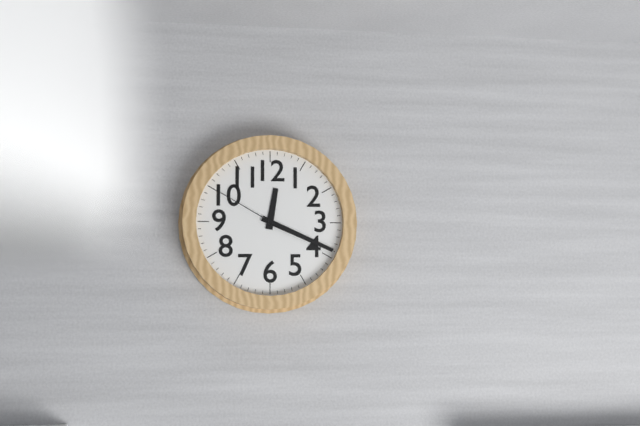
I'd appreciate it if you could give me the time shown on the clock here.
12:19:50
